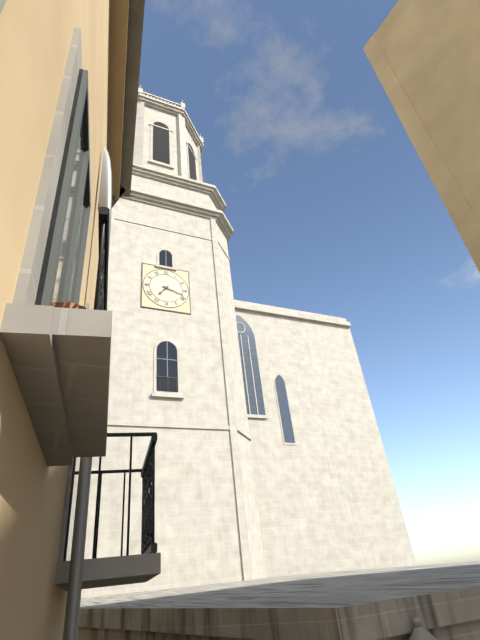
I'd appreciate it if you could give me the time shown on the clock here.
7:18
